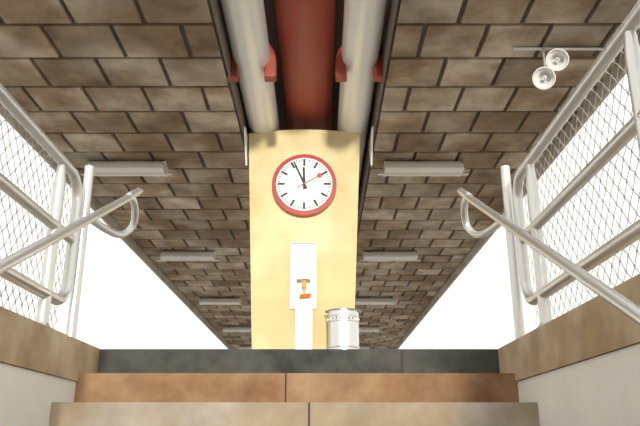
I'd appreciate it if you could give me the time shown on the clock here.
11:56
